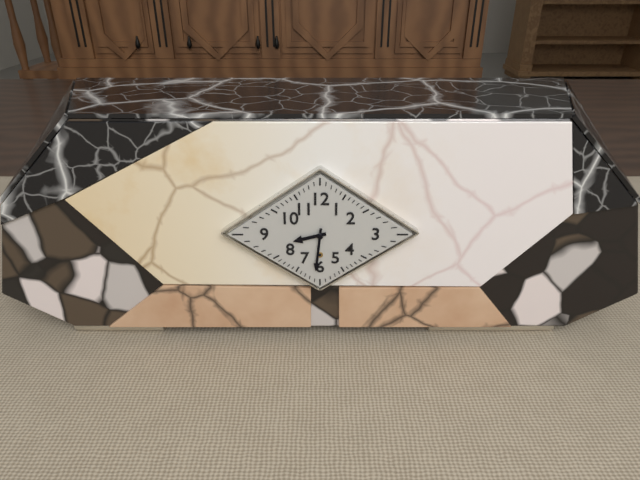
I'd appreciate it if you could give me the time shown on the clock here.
8:31
